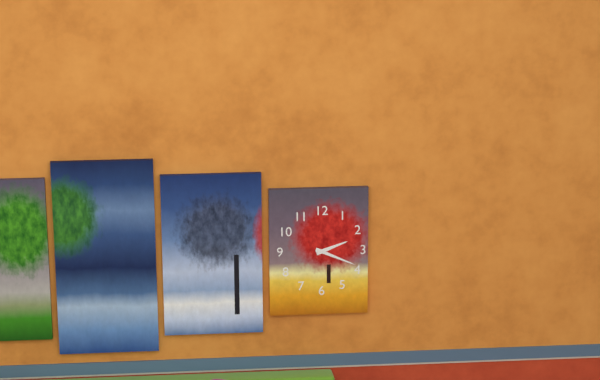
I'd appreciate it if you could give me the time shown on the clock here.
2:19
